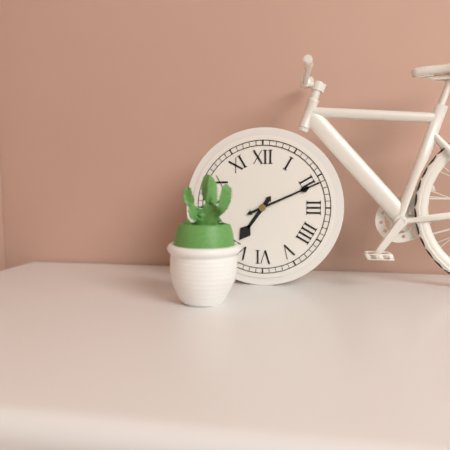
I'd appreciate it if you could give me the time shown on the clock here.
7:11
